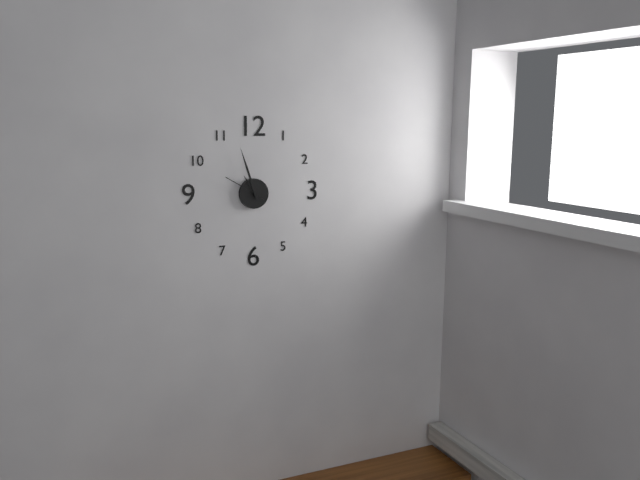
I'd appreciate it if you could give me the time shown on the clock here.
10:57
